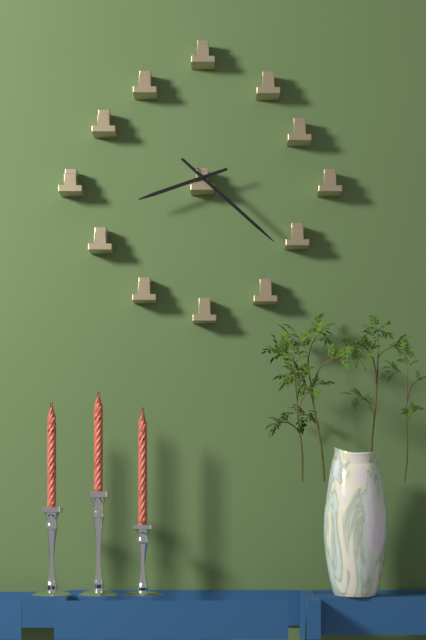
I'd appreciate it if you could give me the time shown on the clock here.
8:22
